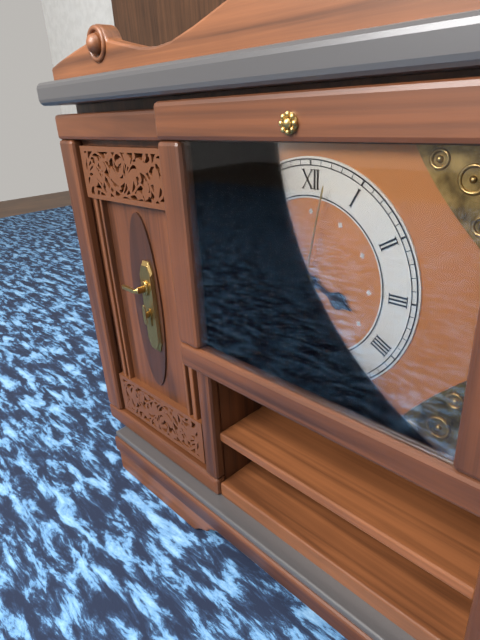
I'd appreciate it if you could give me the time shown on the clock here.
3:44:02
